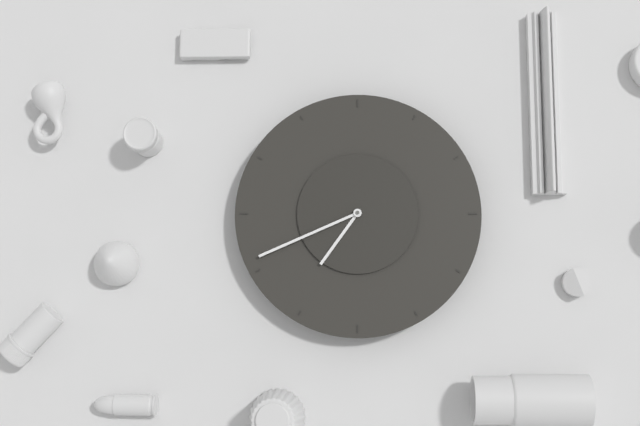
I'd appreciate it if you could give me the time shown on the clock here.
1:11
